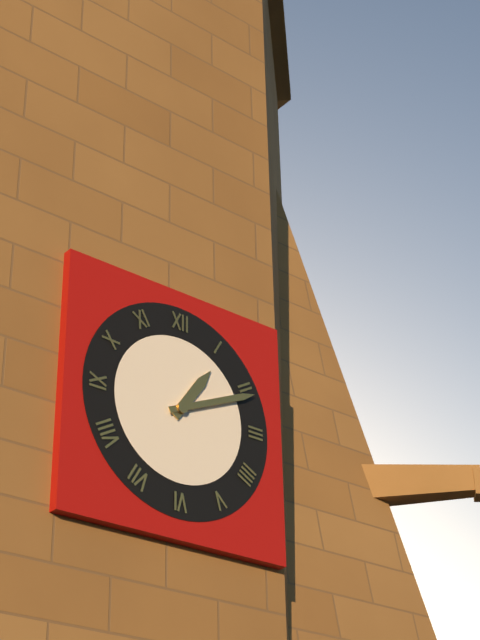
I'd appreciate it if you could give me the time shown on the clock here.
1:11
